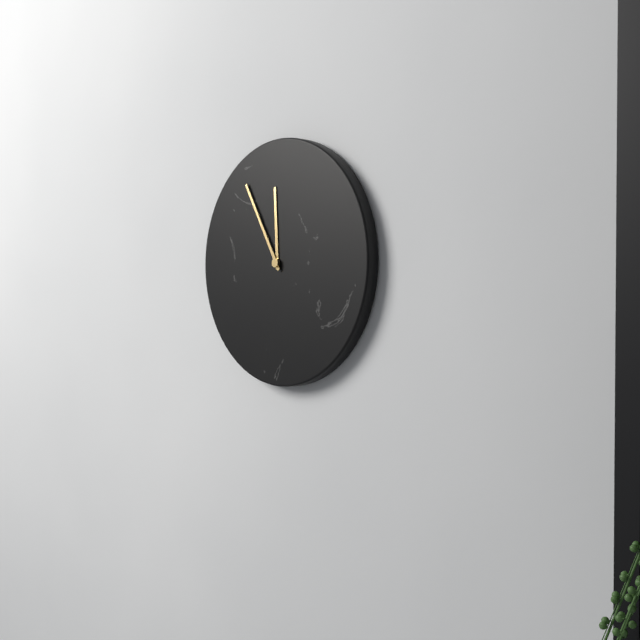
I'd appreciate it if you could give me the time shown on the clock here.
11:55
